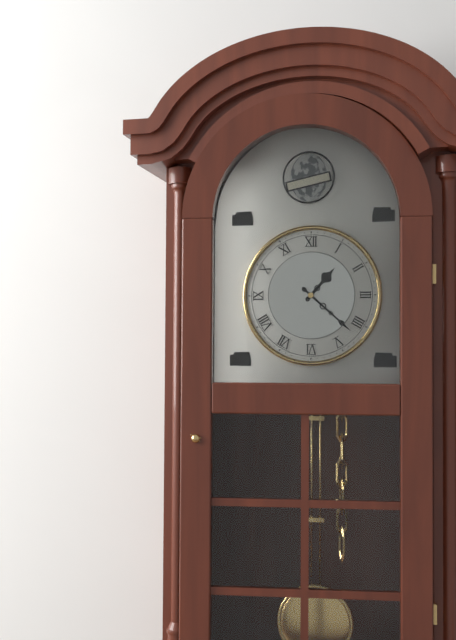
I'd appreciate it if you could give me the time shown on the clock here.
1:22
